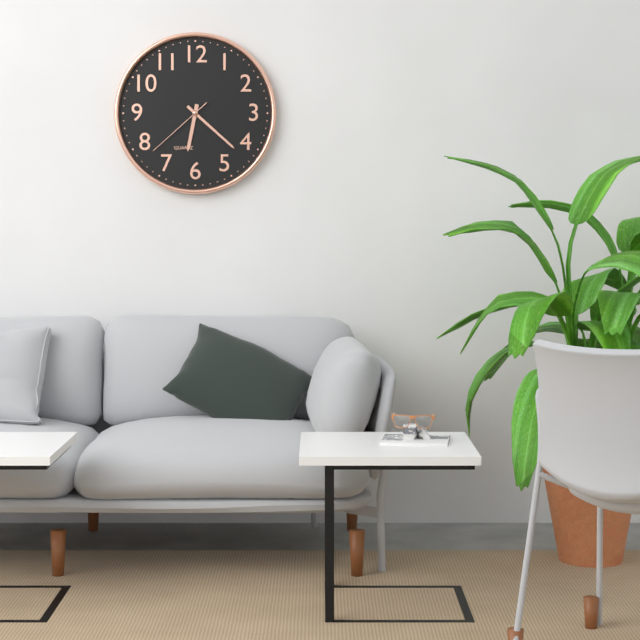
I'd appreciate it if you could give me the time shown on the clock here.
6:22:38
